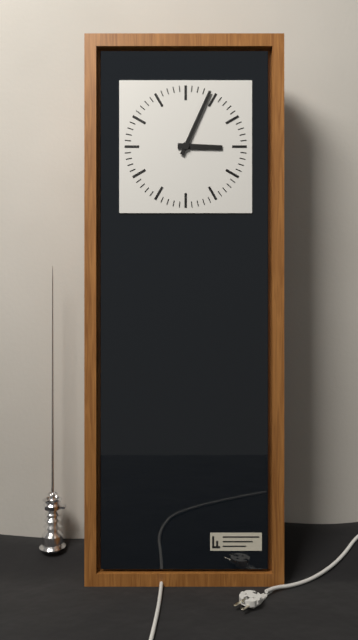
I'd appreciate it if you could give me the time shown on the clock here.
3:04
